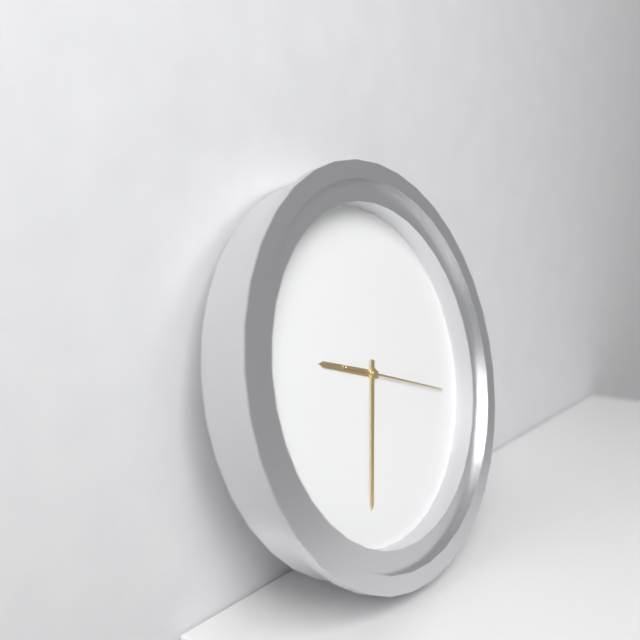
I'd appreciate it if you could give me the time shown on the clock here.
9:33:18
